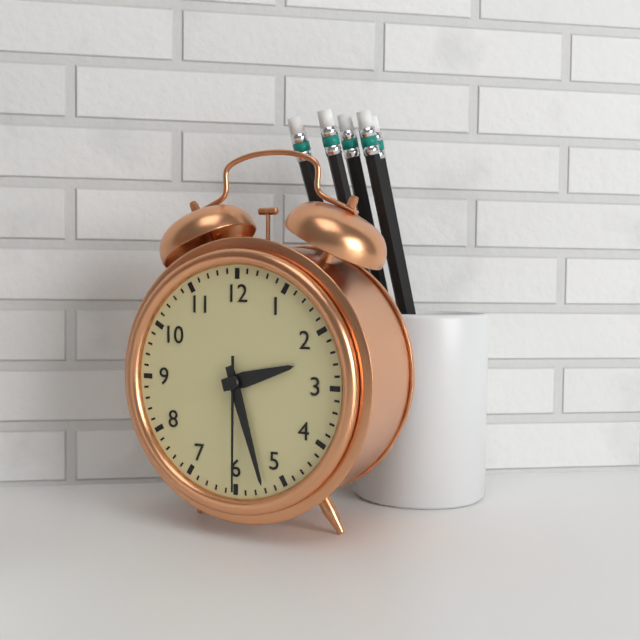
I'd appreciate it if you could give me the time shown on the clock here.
2:27:30
